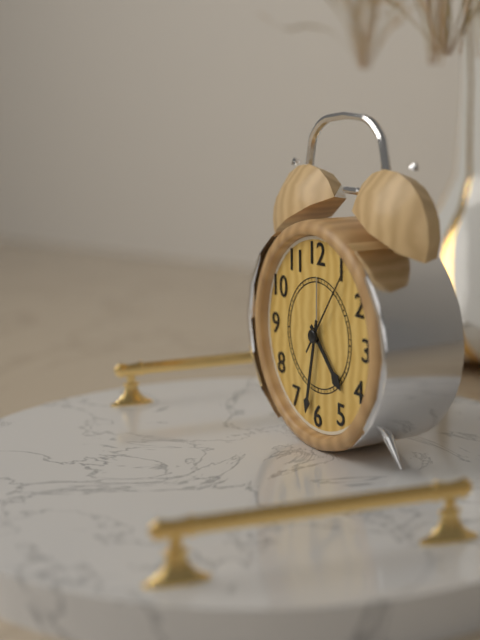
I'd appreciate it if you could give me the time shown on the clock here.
4:32:06
